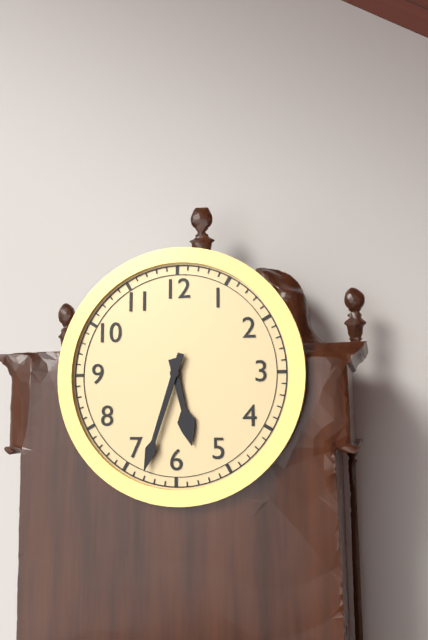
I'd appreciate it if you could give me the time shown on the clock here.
5:33
